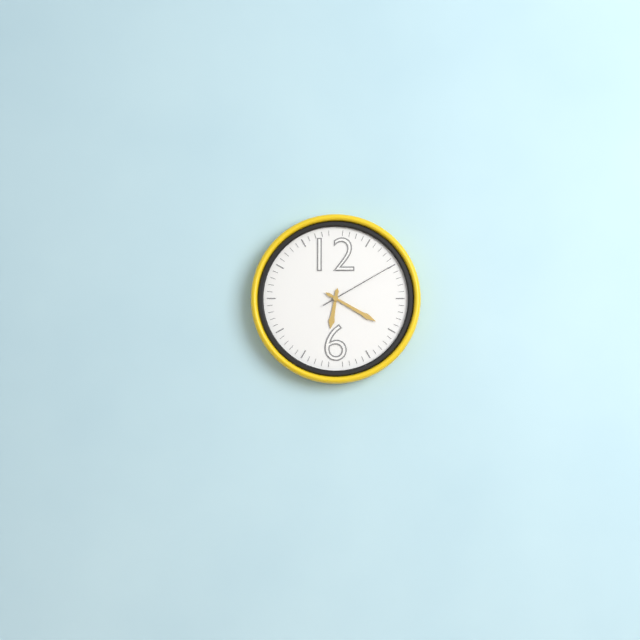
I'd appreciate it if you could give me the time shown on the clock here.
6:20:10
